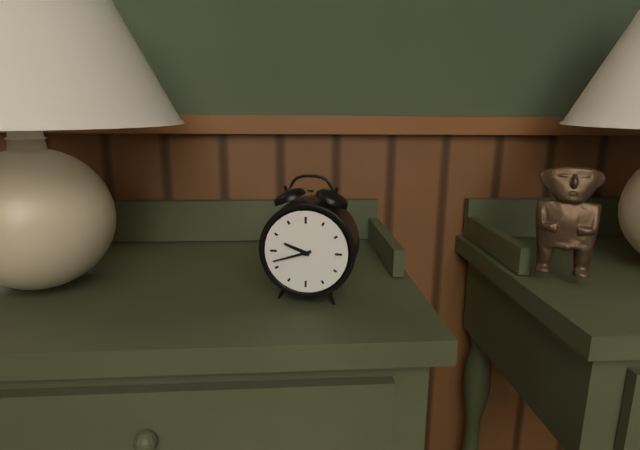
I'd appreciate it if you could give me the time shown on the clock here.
9:42
